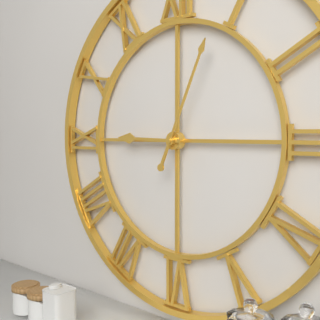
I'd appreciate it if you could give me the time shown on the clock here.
9:04
